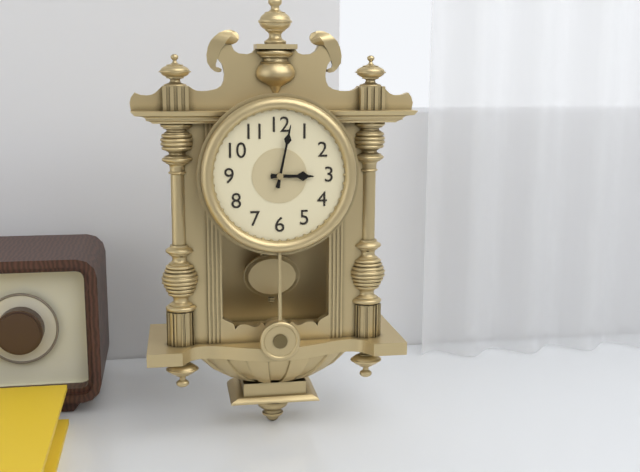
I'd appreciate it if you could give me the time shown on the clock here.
3:02
